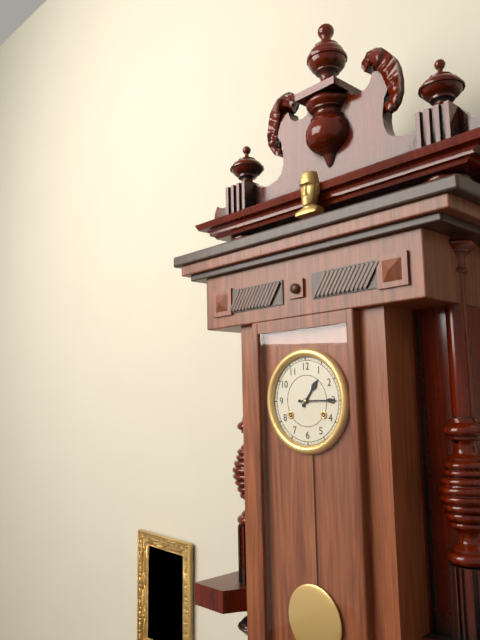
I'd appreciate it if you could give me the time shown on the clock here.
1:15
